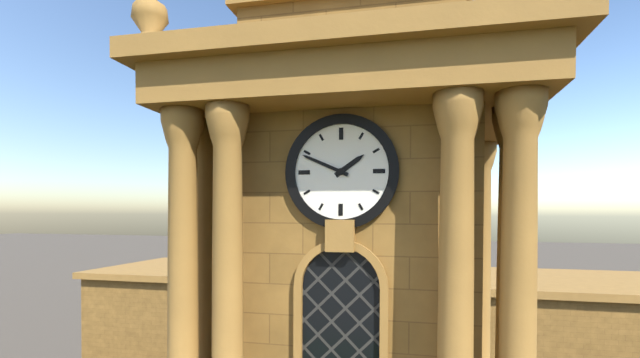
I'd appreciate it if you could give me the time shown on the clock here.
1:49
